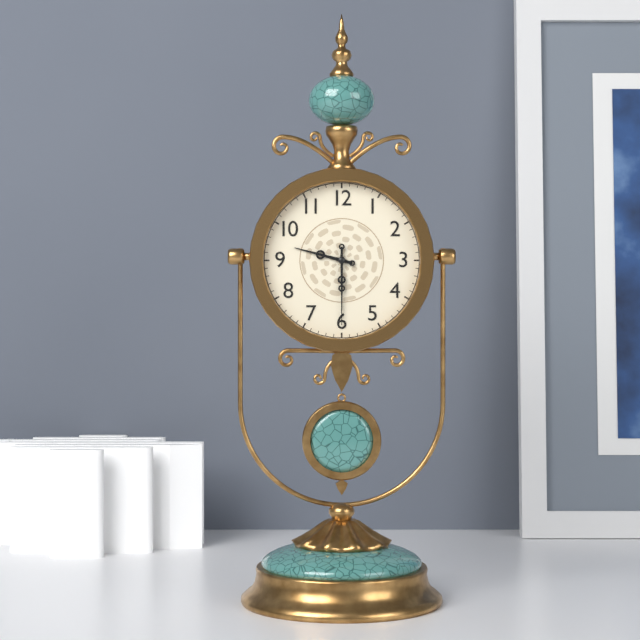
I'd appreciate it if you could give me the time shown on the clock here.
9:30
